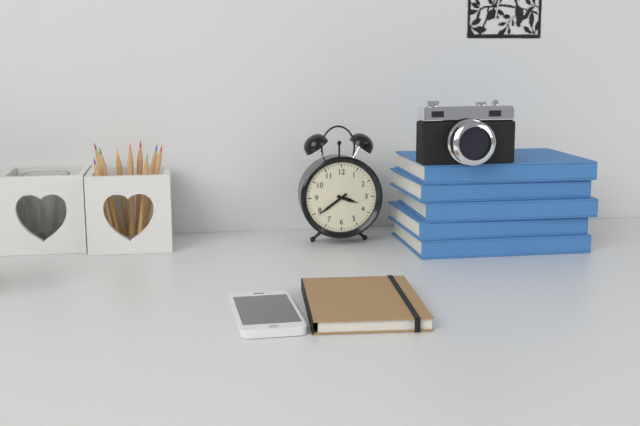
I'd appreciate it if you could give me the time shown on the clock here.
3:39
